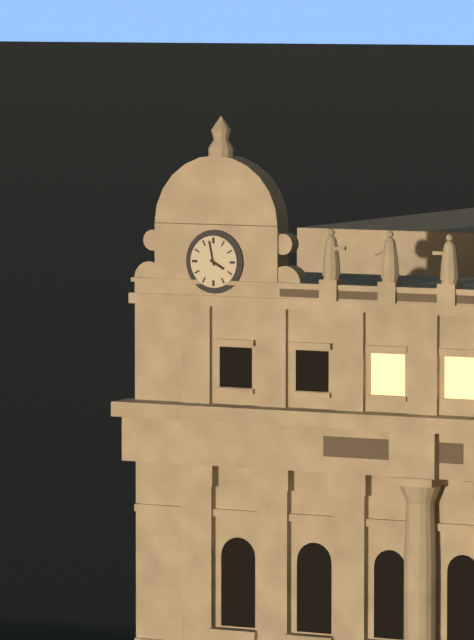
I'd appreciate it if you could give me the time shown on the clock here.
3:58
